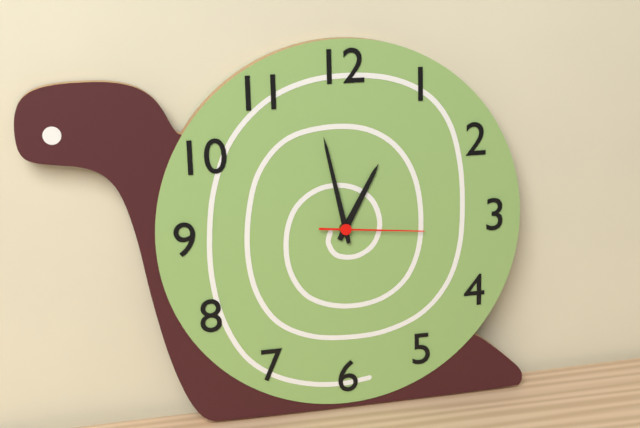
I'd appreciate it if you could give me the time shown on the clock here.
12:58:16
